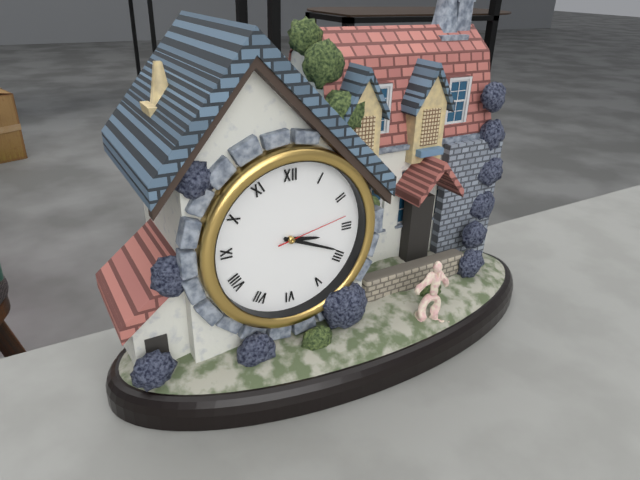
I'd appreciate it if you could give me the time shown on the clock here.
3:19:13
